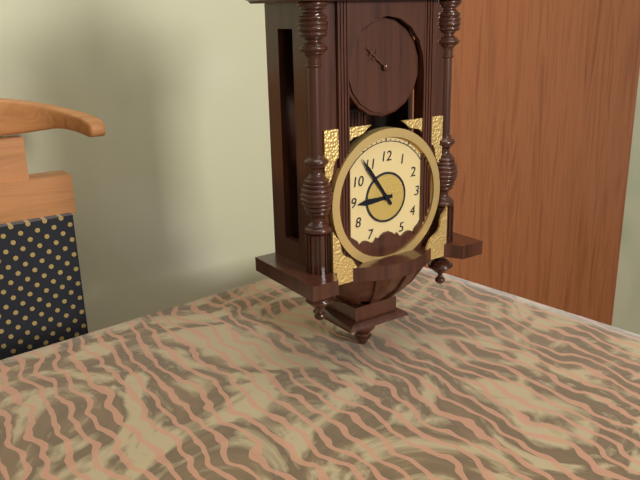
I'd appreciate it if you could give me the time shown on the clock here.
8:54
